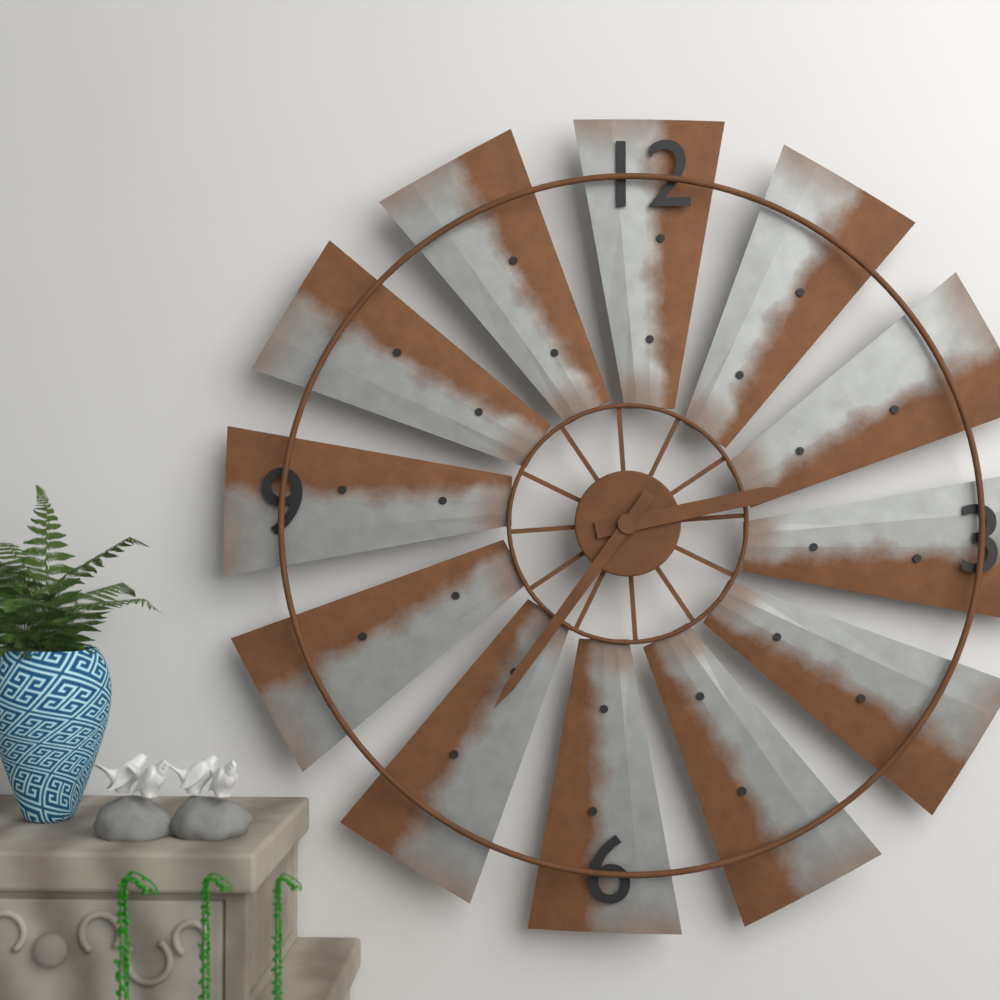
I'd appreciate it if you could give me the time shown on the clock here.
2:36
